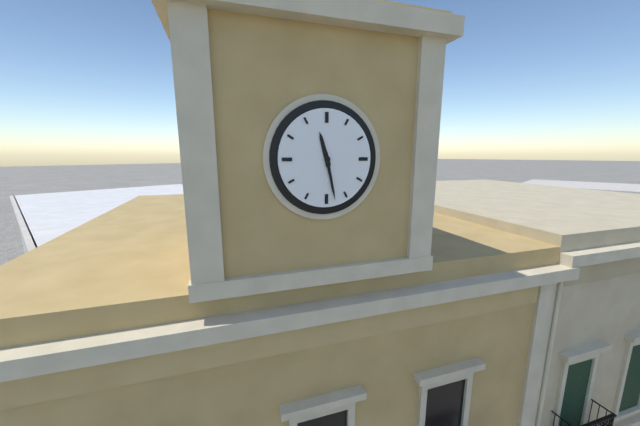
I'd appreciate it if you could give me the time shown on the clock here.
11:28
